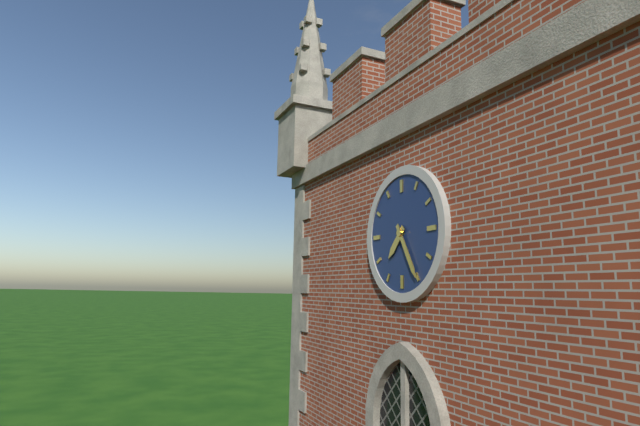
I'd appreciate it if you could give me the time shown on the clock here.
7:25
